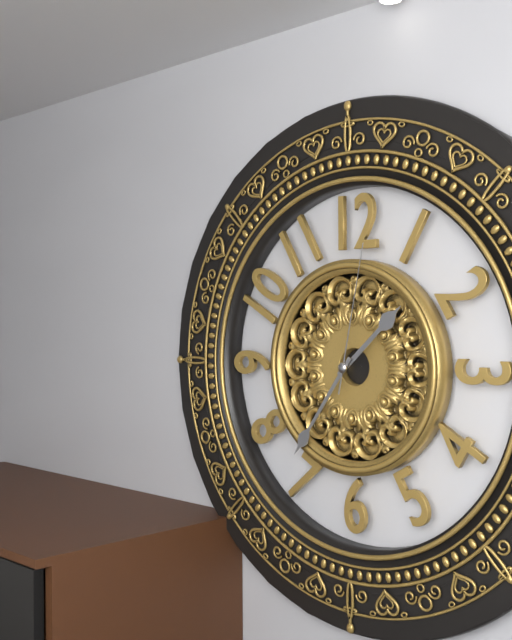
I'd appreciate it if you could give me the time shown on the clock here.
1:36:02
